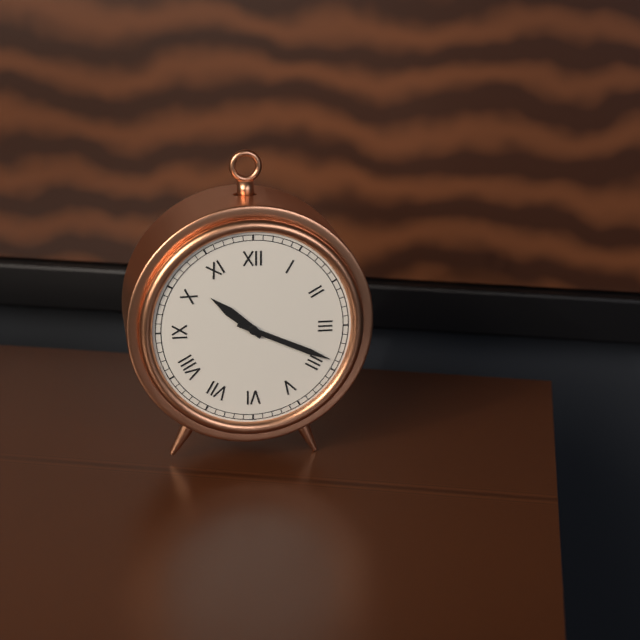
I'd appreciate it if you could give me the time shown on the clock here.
10:19
